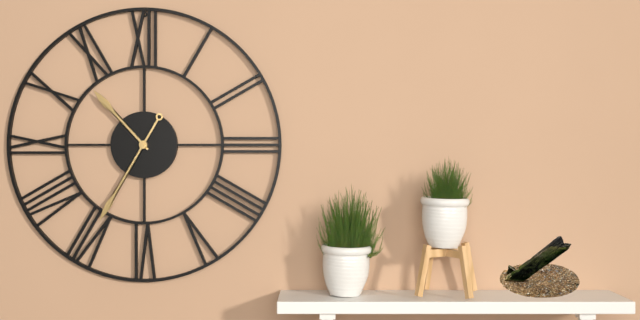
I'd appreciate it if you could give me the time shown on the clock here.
10:35
